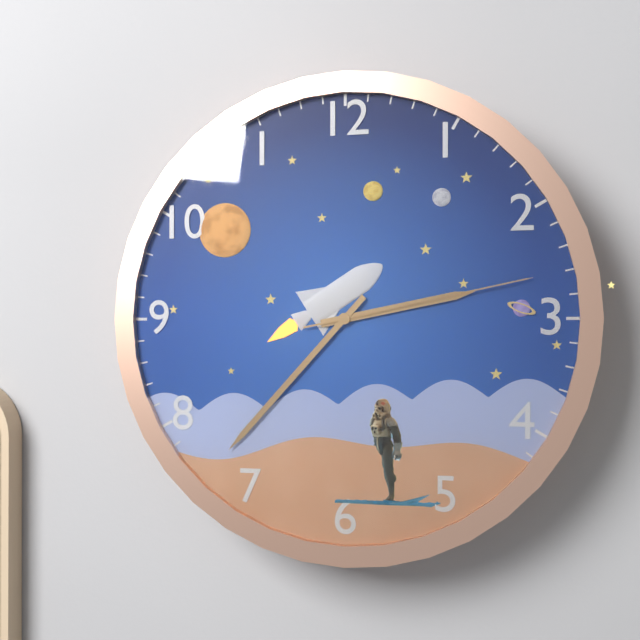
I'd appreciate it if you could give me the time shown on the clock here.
2:37:13
